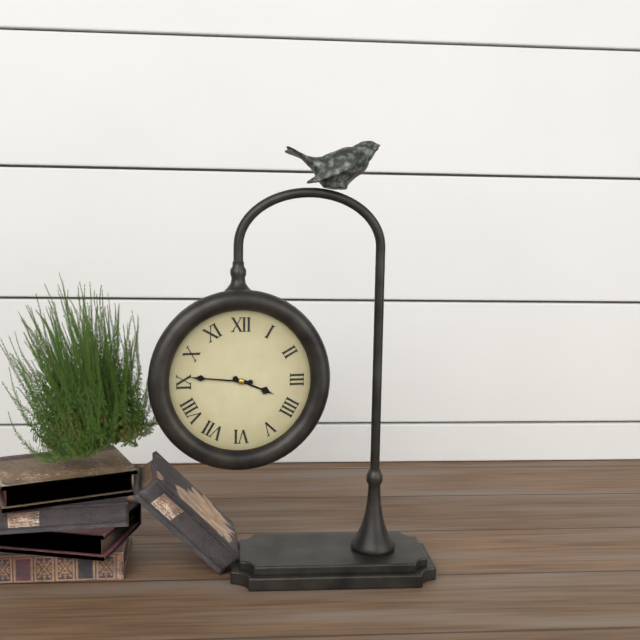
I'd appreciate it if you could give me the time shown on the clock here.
3:46
